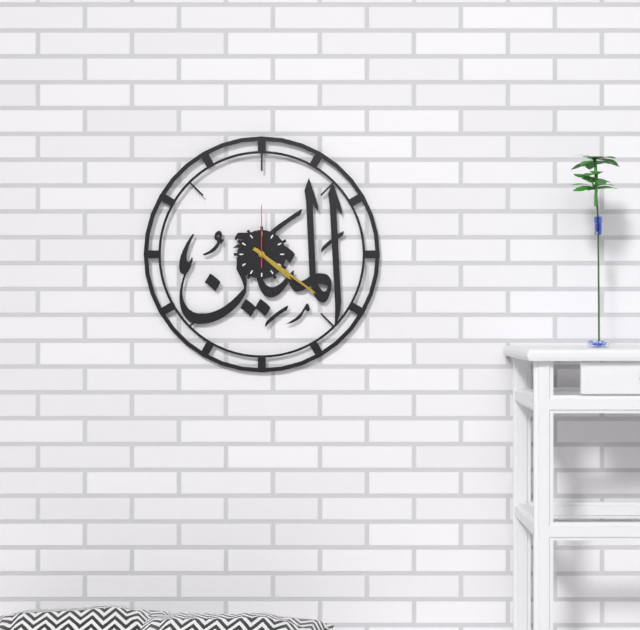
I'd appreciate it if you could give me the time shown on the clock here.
4:21:00
